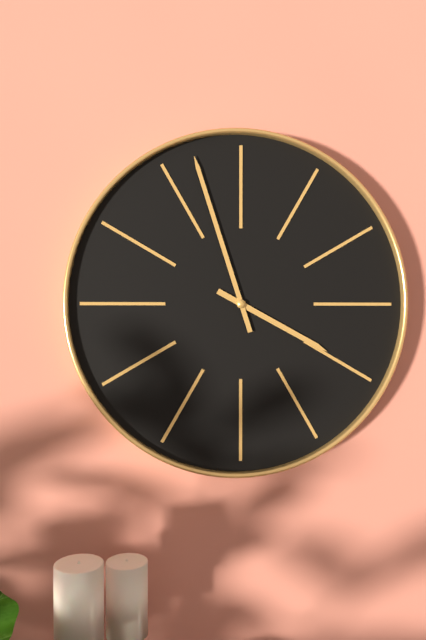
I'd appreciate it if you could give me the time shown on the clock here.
3:57
